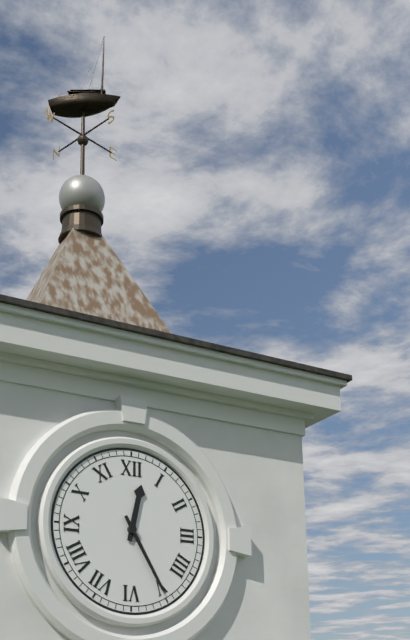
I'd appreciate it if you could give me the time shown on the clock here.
12:25
